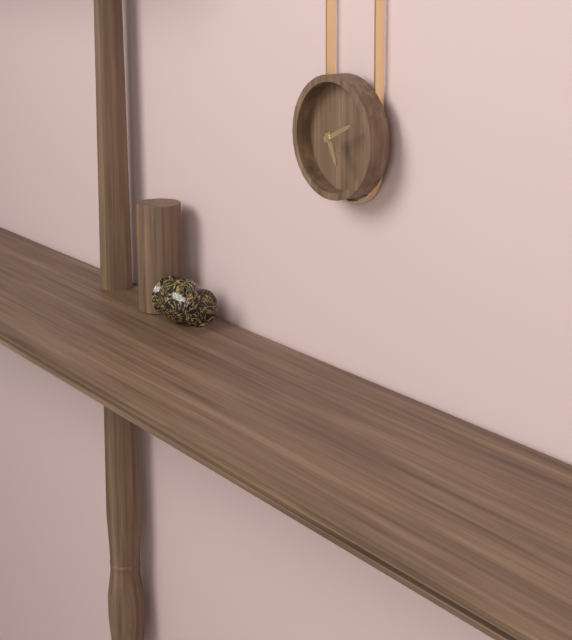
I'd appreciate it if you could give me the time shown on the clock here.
5:11
